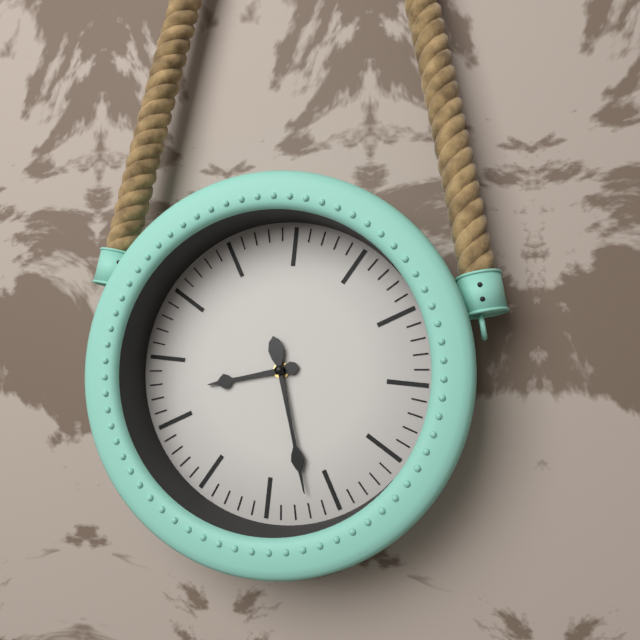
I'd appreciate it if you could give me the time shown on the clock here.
8:27
